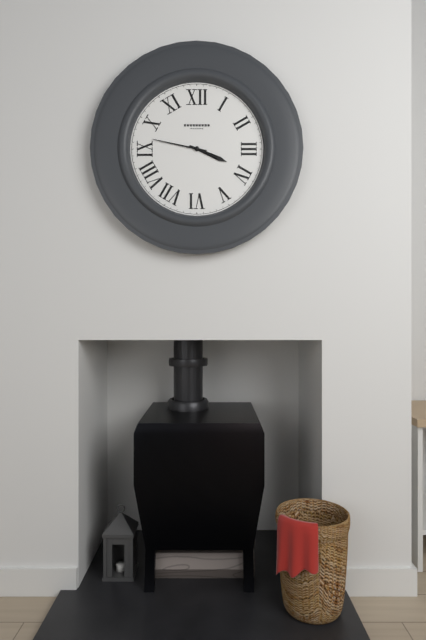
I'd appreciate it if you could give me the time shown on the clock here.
3:47
